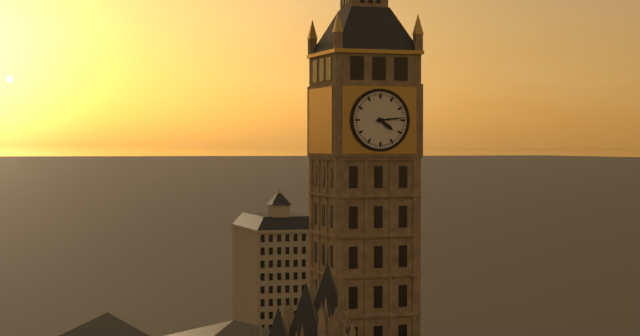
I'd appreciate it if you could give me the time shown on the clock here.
4:14
